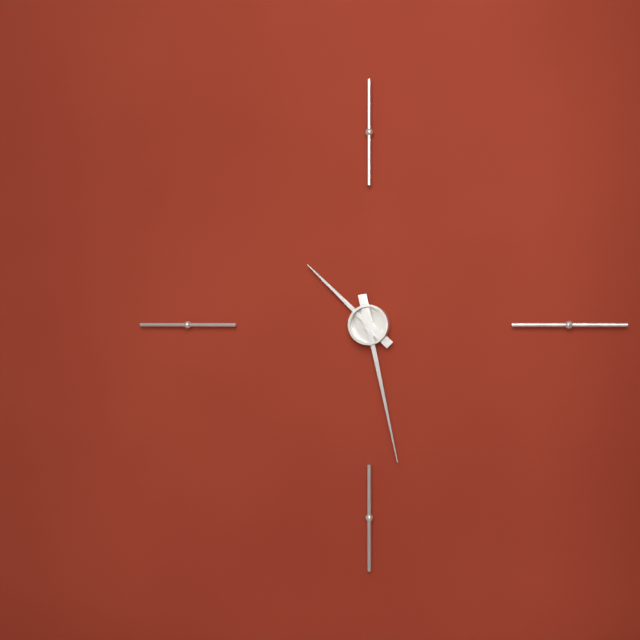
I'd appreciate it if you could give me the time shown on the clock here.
10:28
